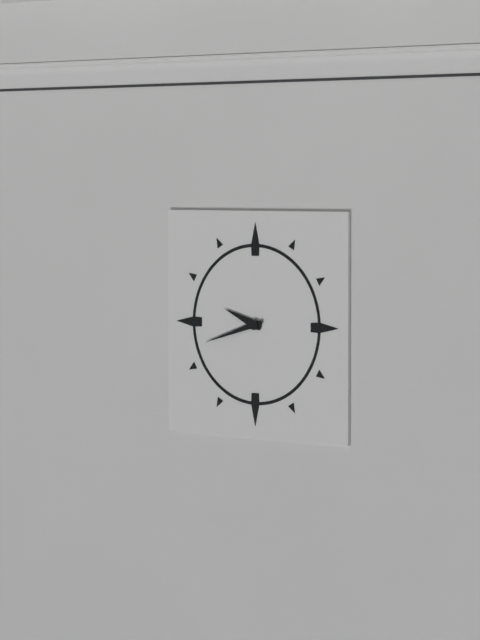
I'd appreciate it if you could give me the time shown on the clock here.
9:42
